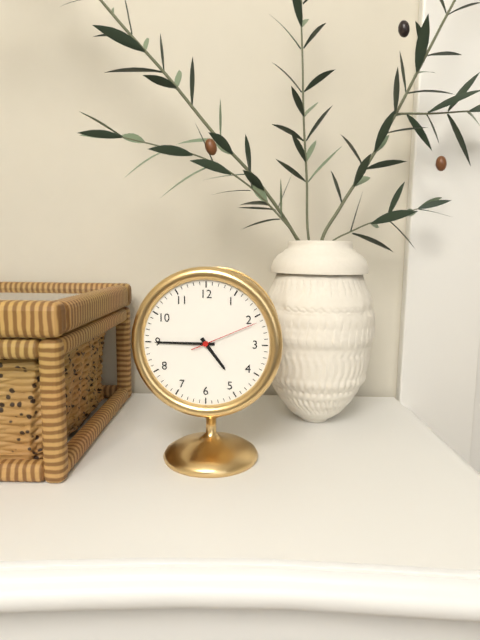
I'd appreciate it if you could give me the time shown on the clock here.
4:45:11
